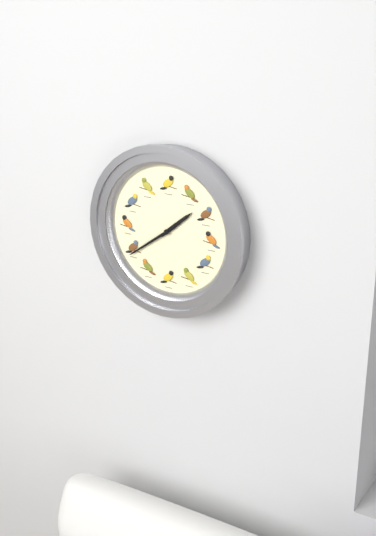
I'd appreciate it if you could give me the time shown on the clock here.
1:39
